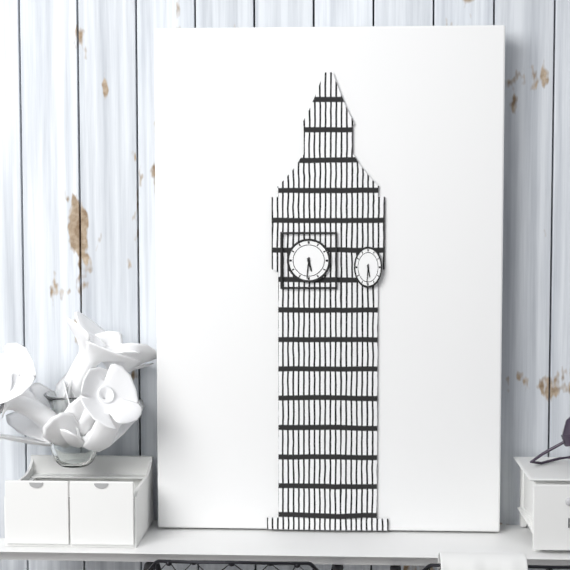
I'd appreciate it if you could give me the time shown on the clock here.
5:31
